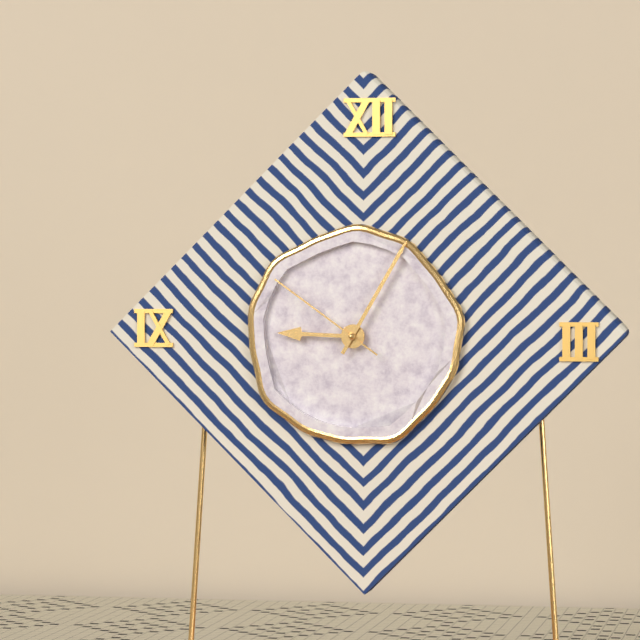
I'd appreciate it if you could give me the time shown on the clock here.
9:05:51
